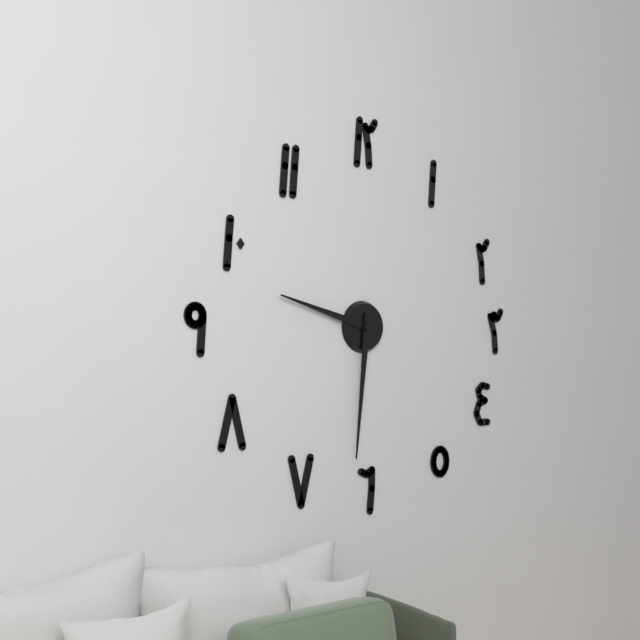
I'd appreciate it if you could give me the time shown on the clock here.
9:31
